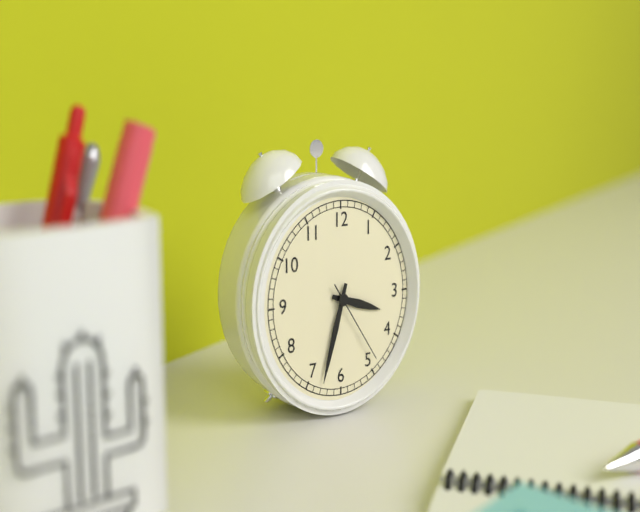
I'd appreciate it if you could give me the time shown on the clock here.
3:33:24
